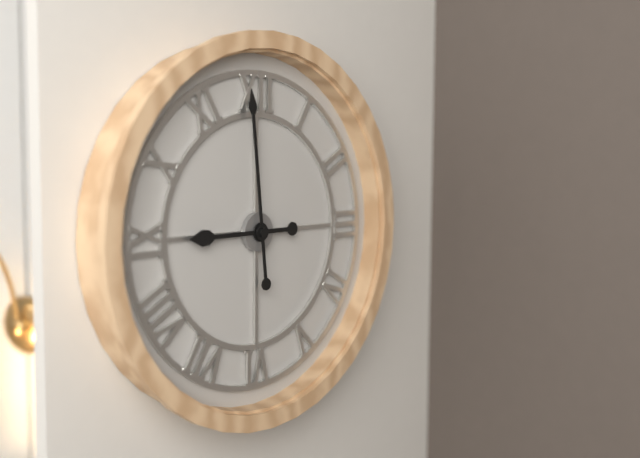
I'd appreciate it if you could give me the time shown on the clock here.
8:59
